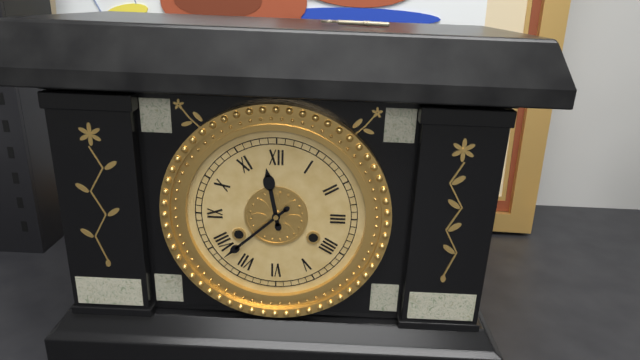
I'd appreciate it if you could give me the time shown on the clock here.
11:38
